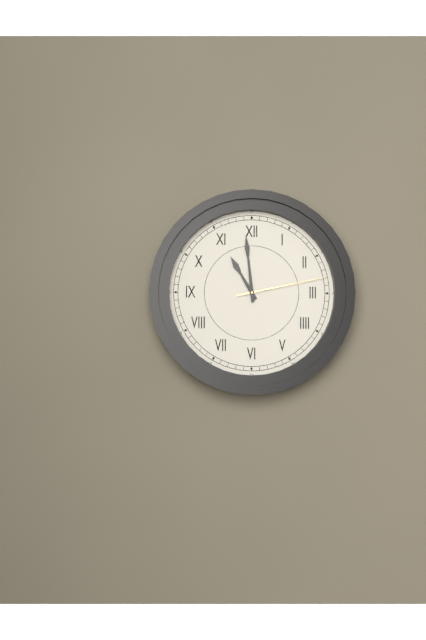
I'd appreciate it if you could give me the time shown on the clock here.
10:59:13
